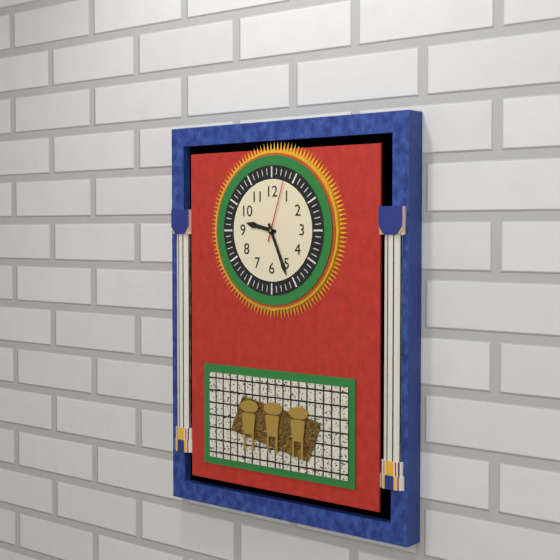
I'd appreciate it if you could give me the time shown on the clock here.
9:26:03
